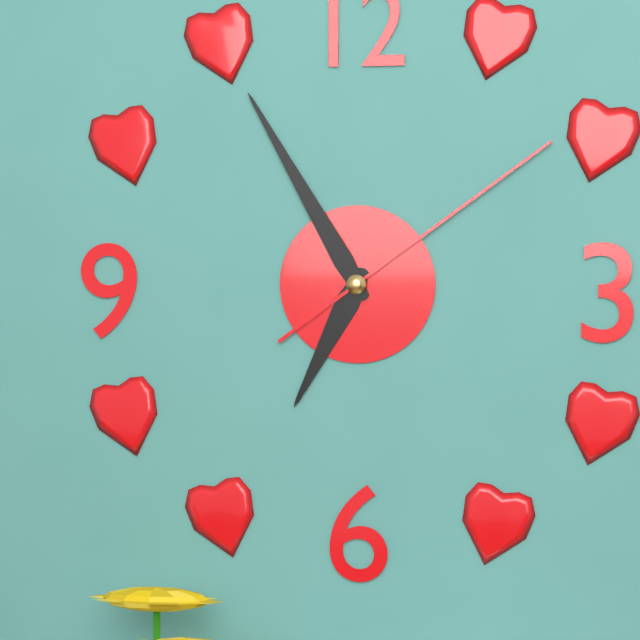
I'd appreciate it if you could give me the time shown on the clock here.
6:55:09
